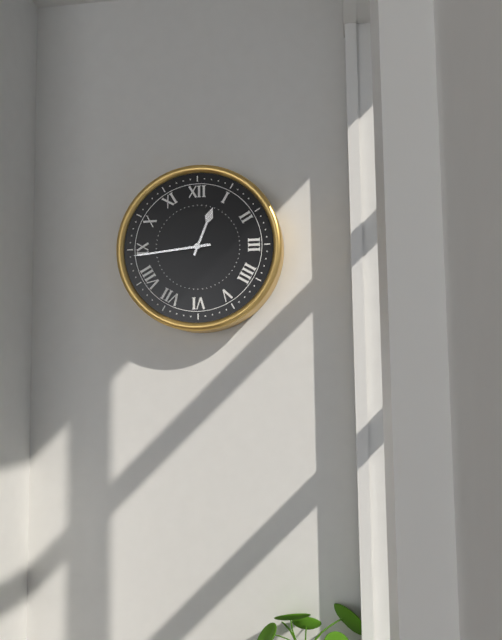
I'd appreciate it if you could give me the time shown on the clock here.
12:44
